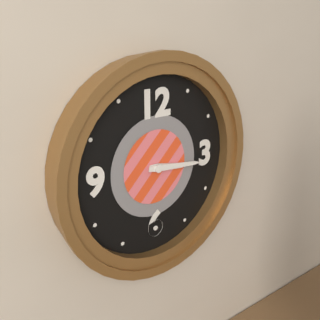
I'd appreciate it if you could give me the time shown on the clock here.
3:16
